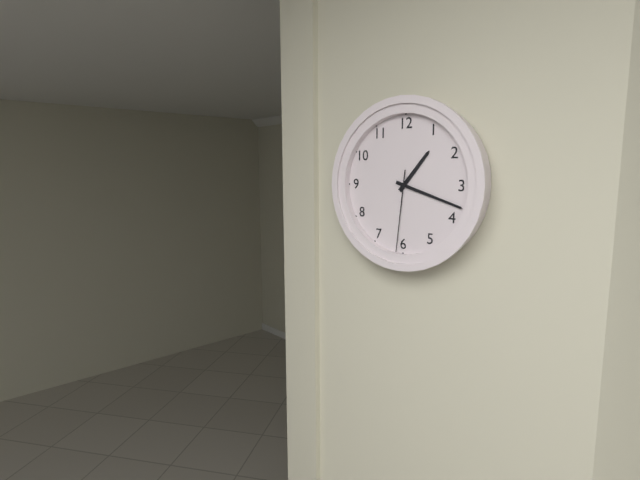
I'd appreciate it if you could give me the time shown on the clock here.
1:18:31
